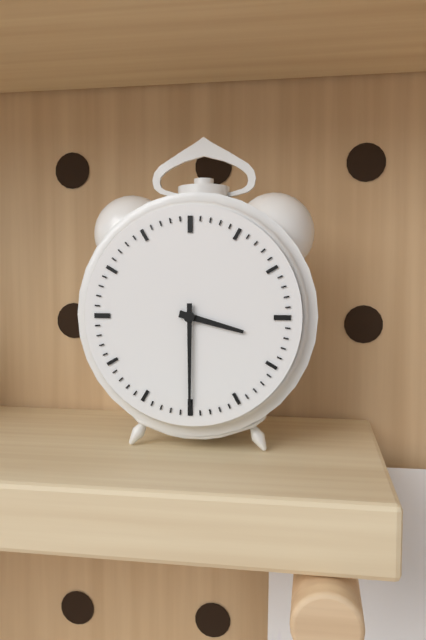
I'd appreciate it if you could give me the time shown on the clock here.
3:30
